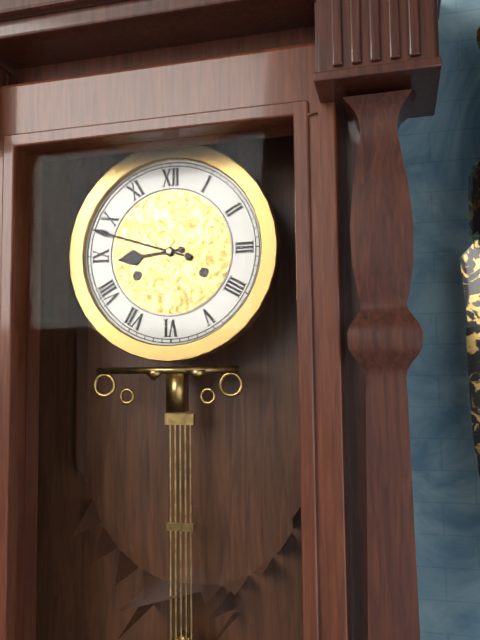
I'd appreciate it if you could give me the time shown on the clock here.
8:48
